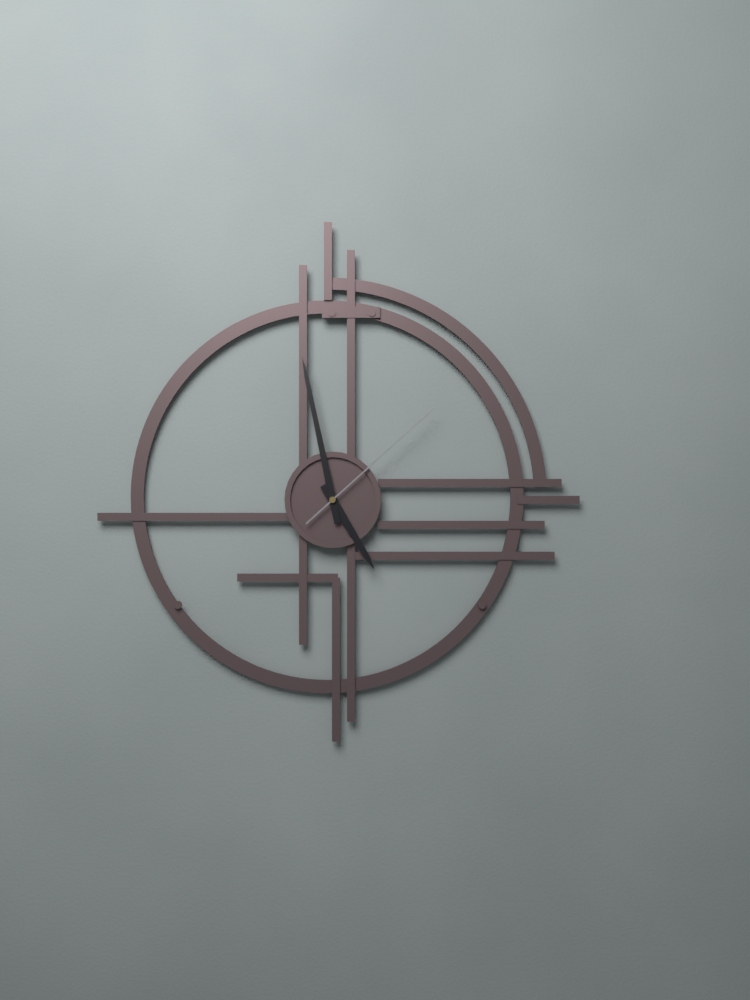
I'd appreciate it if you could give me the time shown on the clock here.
4:58:08
